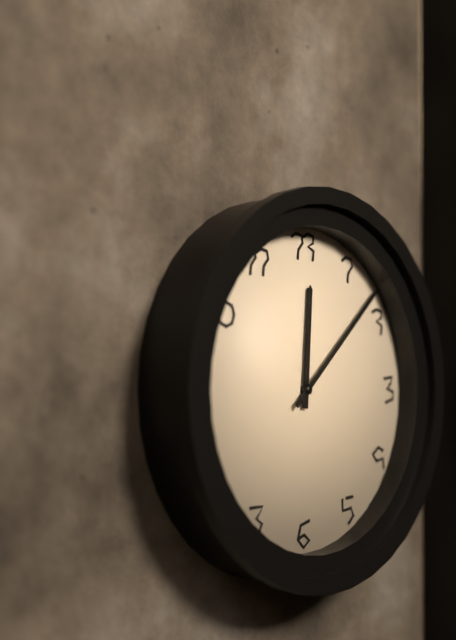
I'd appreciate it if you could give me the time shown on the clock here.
12:08
